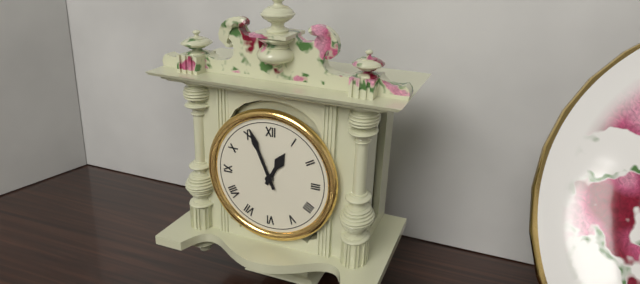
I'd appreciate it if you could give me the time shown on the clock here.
12:56
